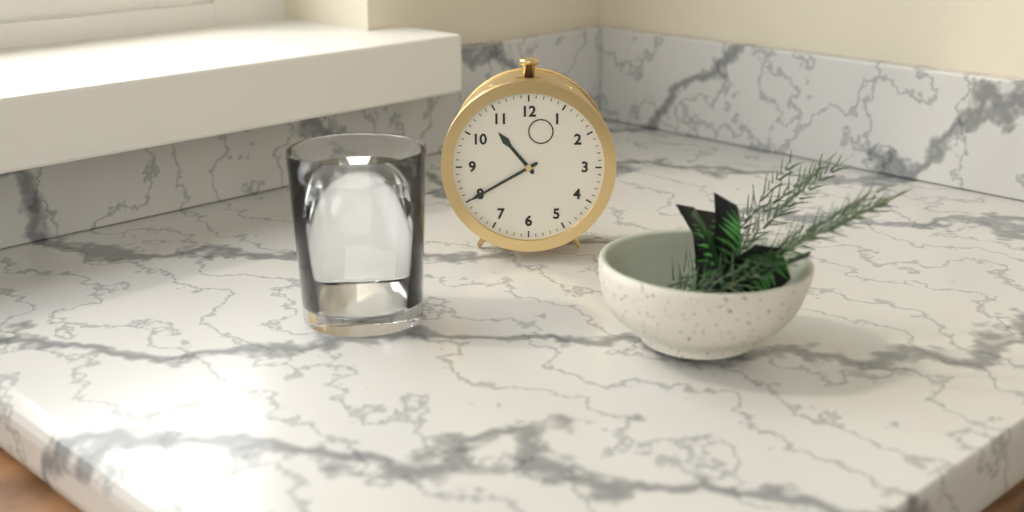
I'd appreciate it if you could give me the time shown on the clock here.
10:40
